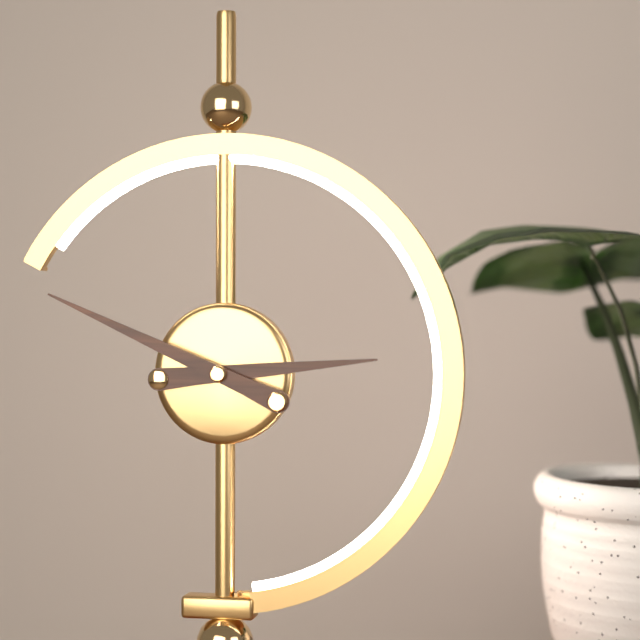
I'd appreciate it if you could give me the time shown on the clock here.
2:49
